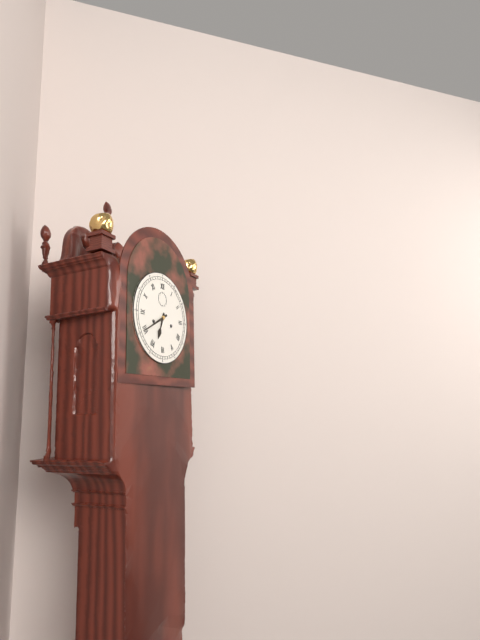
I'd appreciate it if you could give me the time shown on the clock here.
6:40
